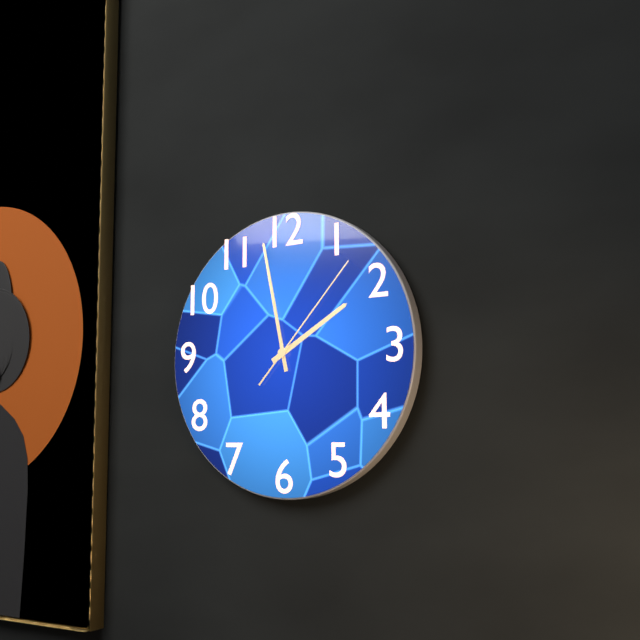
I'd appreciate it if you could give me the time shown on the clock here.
1:58:07
